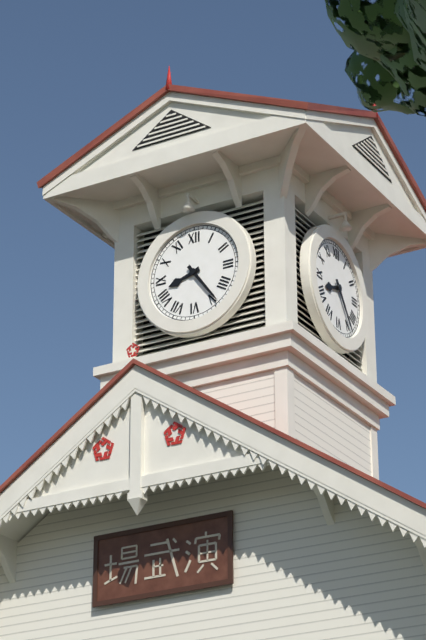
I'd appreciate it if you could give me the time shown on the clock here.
8:24
